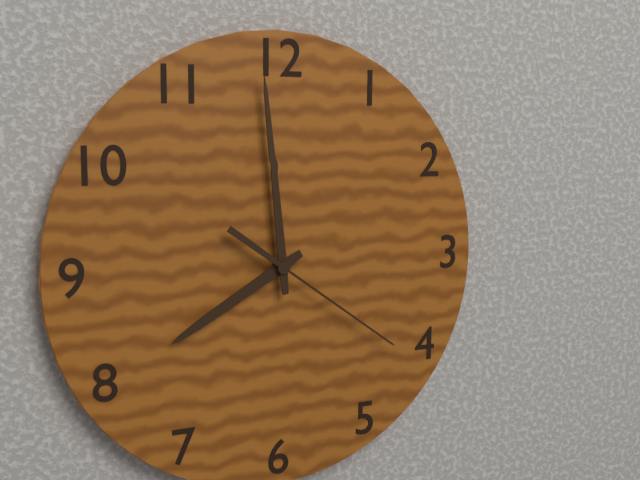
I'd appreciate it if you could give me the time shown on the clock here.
7:59:21
